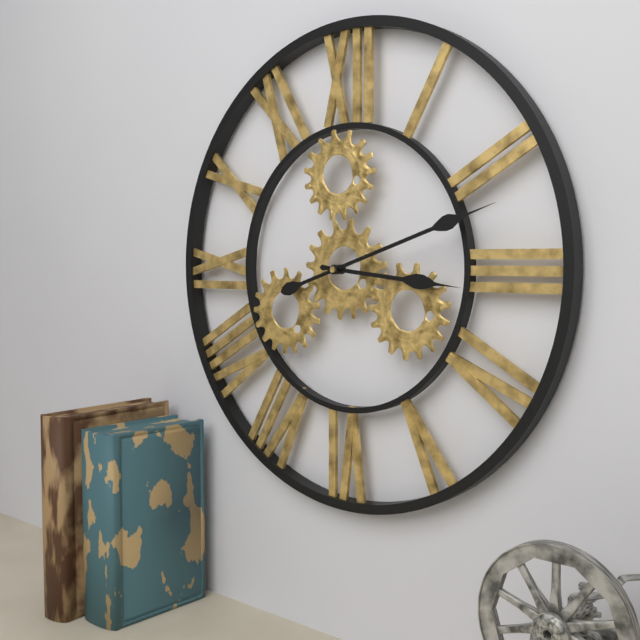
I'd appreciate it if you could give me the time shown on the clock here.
3:12
